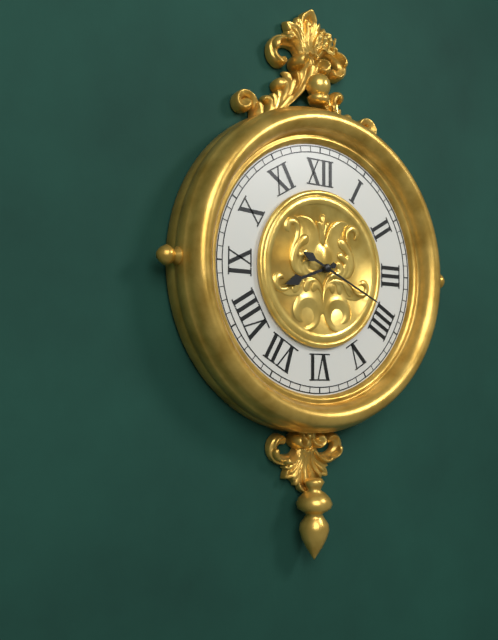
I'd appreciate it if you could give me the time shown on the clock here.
8:19
